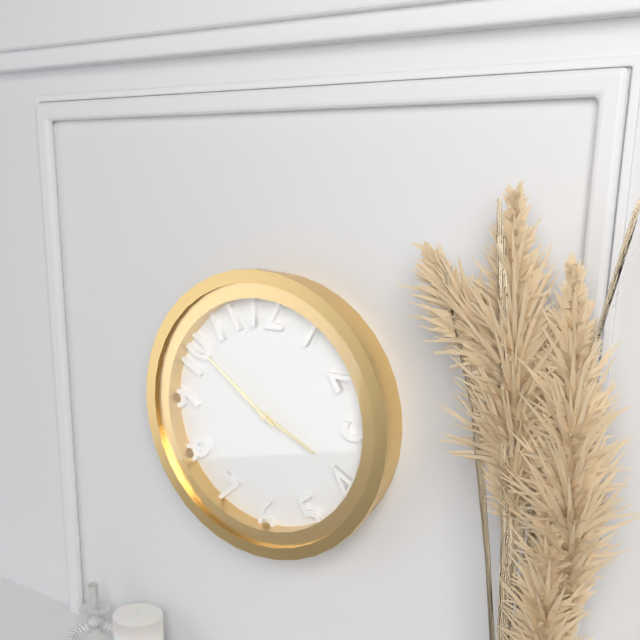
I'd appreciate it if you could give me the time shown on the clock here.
3:51
